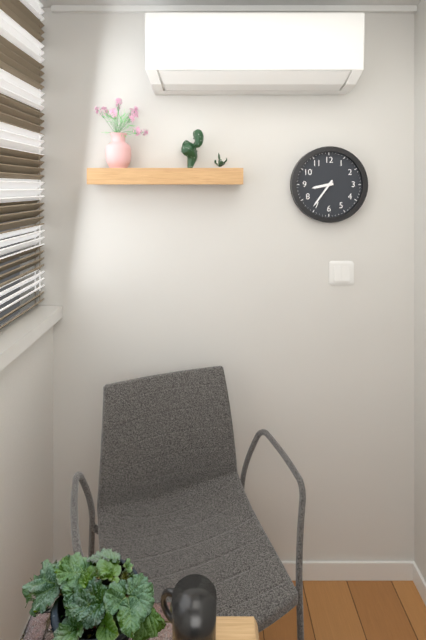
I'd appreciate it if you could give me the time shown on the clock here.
8:36
